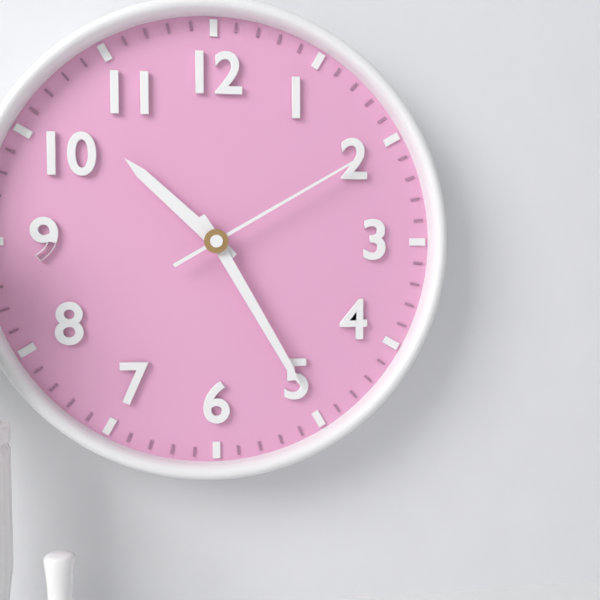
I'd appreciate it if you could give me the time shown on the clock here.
10:25:10
